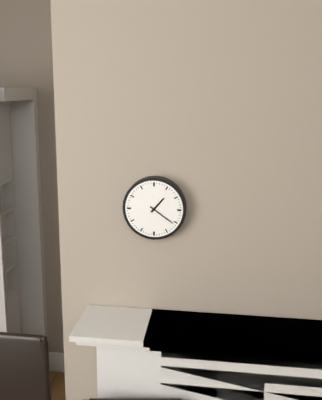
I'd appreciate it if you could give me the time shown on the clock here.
1:21
